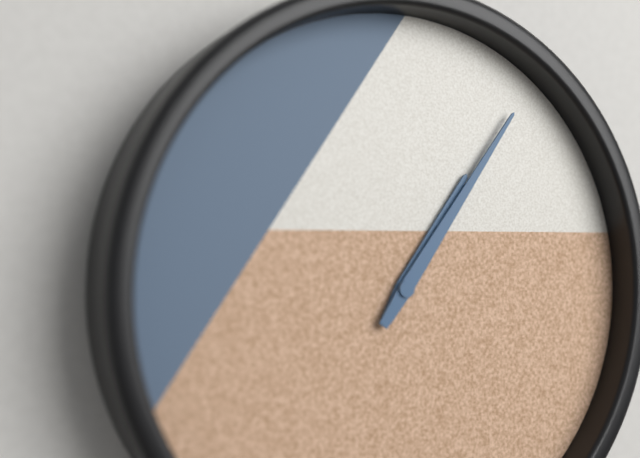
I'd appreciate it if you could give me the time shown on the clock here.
1:06
